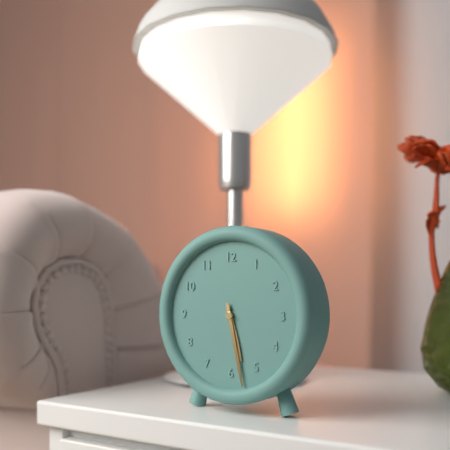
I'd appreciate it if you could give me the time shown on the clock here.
5:28
